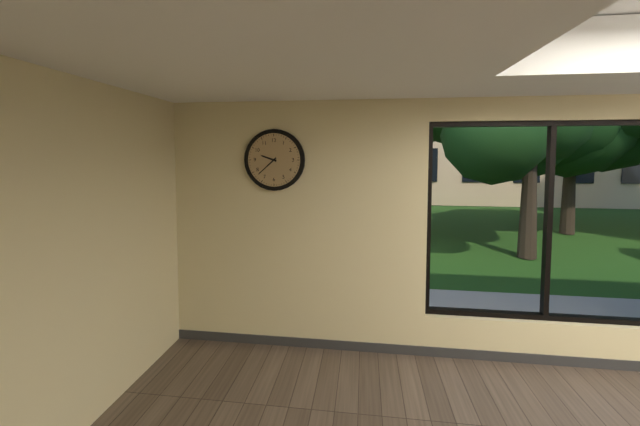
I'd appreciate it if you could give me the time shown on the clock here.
9:38
